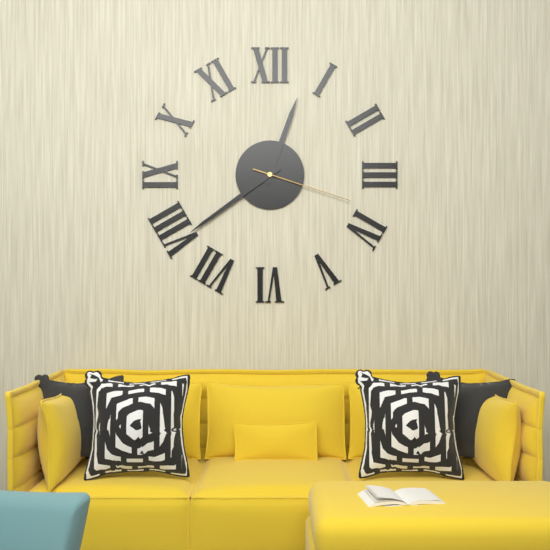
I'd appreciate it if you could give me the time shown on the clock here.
12:39:18
